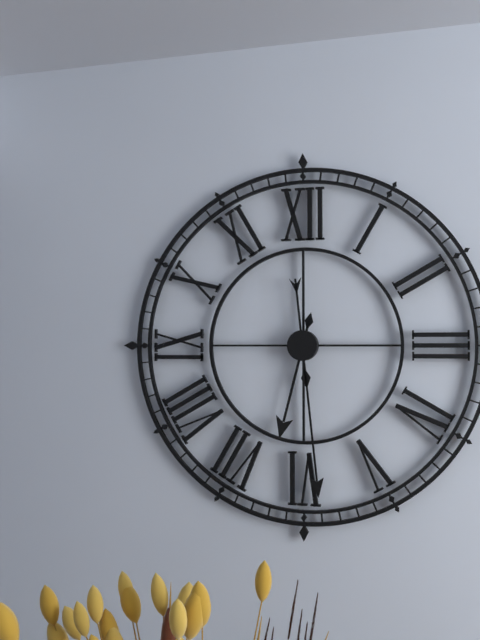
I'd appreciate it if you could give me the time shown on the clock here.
6:29
